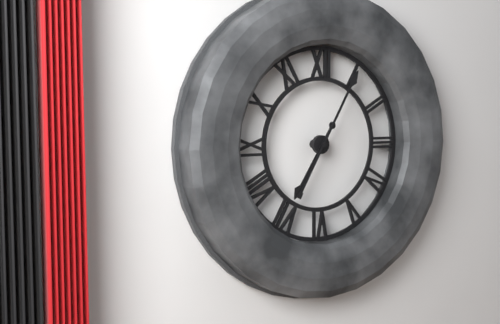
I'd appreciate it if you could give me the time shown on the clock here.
7:05
